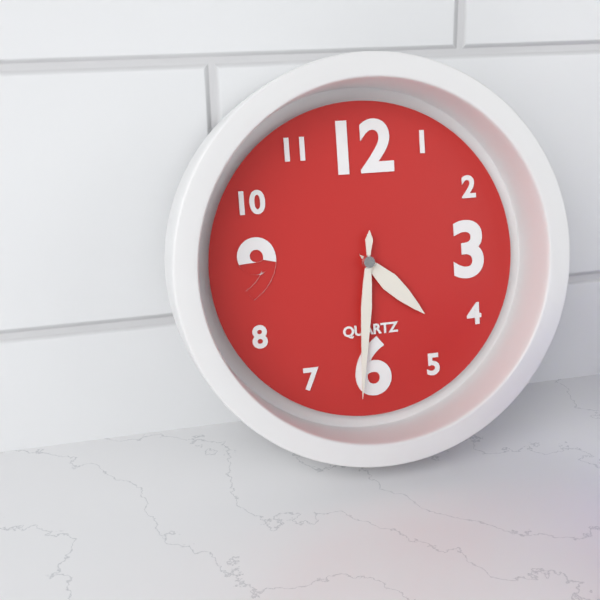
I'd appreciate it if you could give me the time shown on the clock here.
4:31
